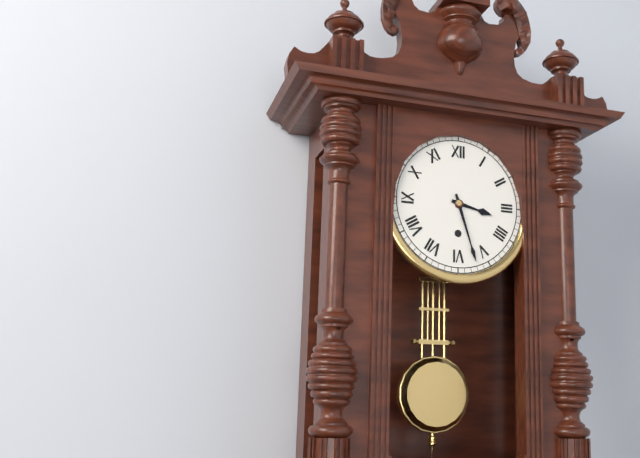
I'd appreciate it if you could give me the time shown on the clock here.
3:27
